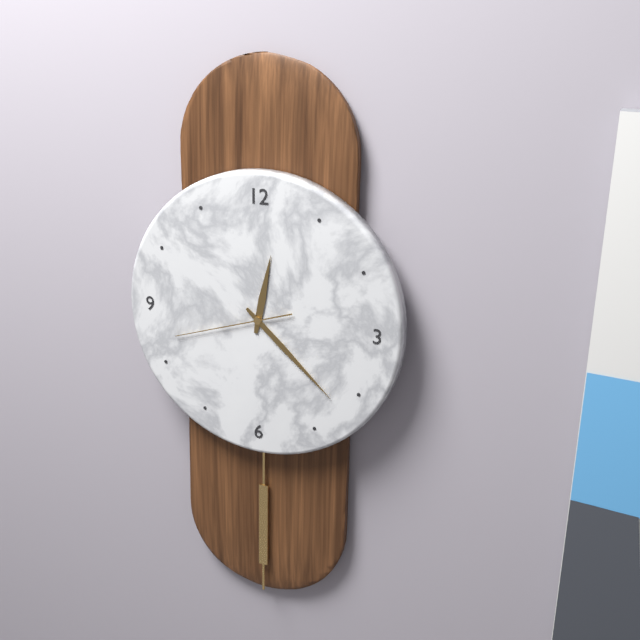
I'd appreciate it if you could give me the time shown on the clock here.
12:22:42
